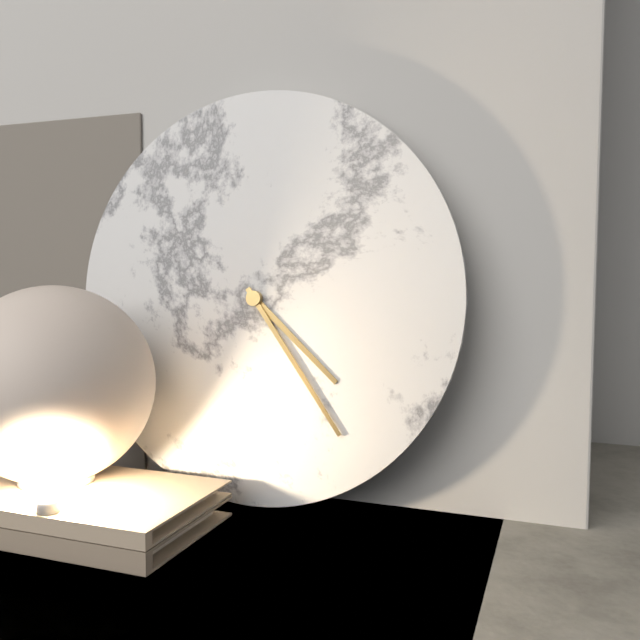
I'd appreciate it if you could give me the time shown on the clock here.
4:24
